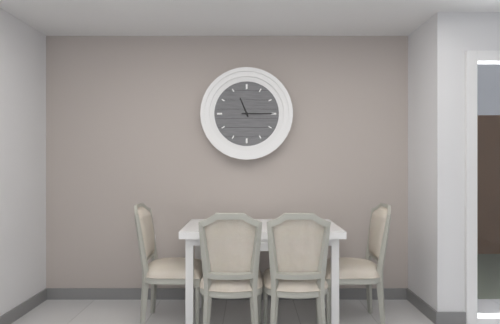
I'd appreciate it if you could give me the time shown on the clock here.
11:15
